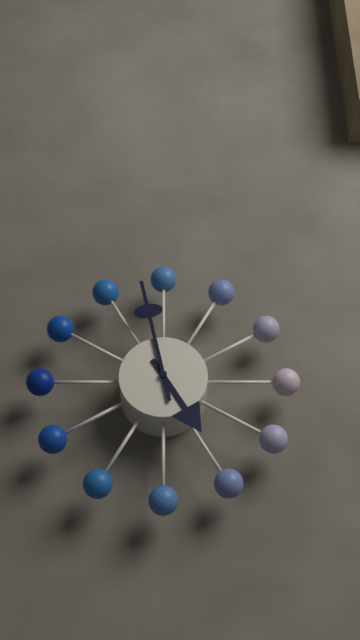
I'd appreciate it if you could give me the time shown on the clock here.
4:58
